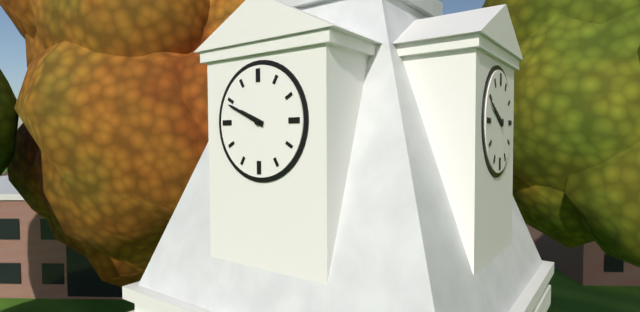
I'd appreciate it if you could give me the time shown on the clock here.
9:49
